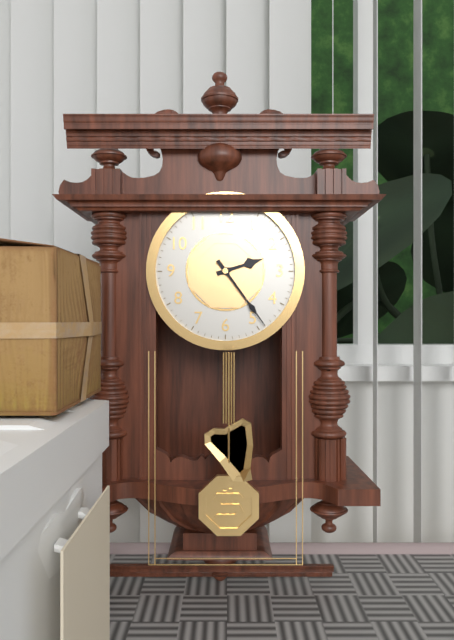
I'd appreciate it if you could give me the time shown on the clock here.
2:24
